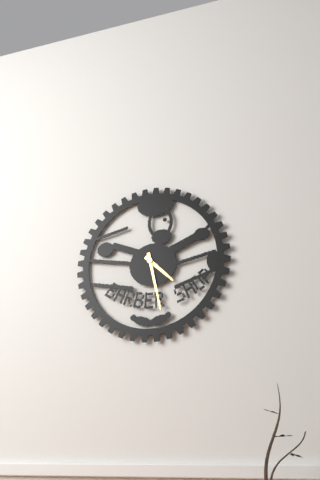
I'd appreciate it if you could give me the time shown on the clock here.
4:28
